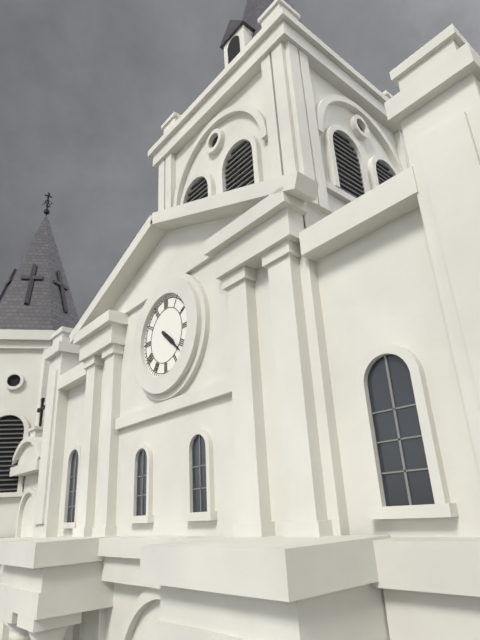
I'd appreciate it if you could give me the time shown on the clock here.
4:22
